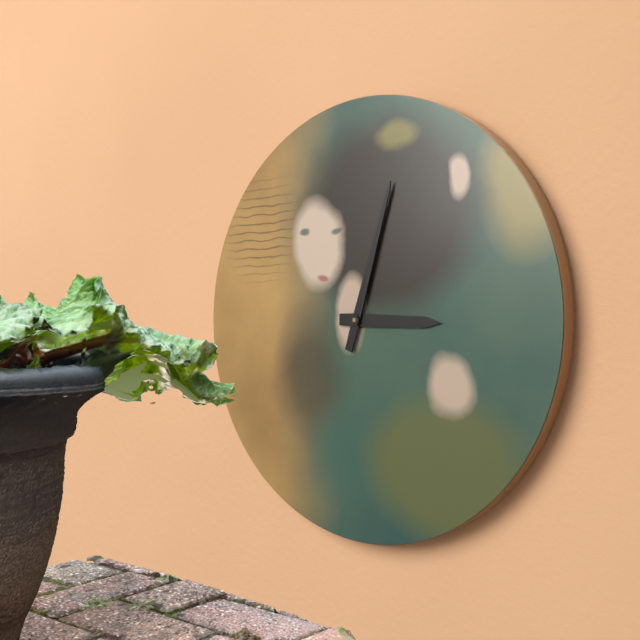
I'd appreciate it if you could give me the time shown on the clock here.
3:03
